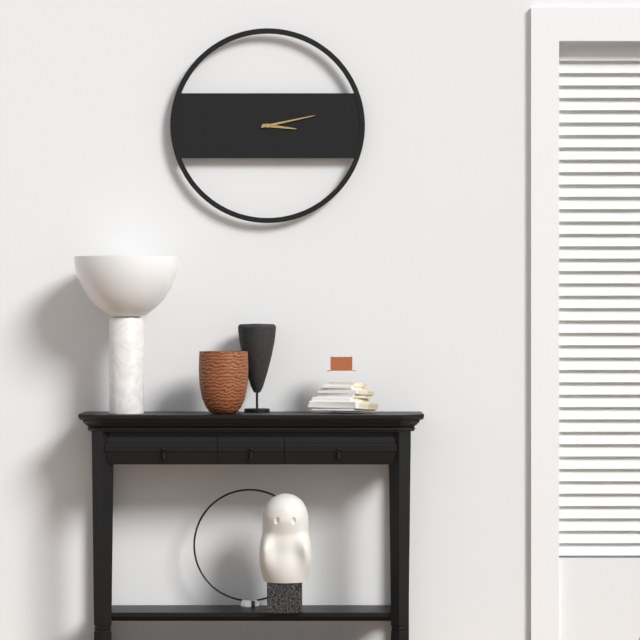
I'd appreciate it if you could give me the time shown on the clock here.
3:13
